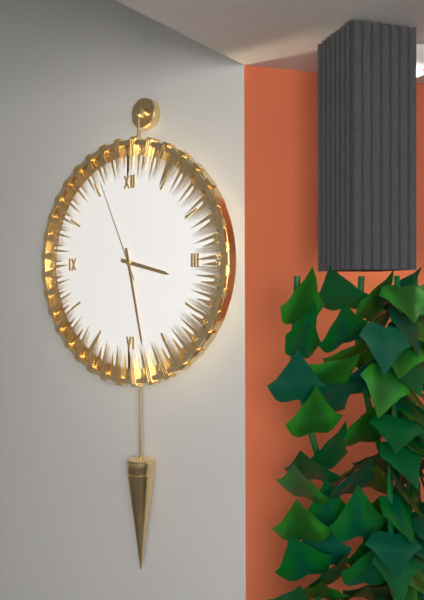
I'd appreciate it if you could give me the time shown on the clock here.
3:28:56
